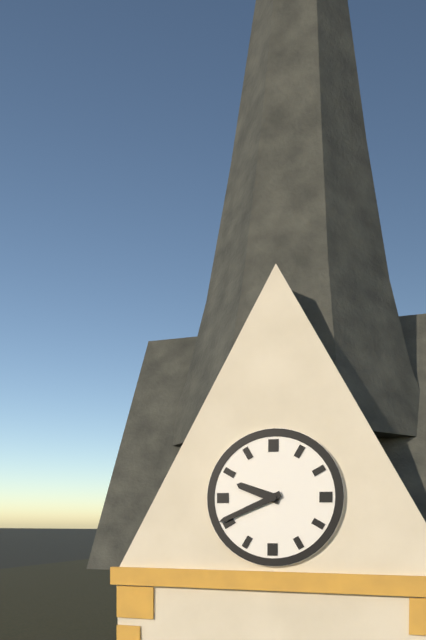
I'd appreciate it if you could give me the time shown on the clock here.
9:41
